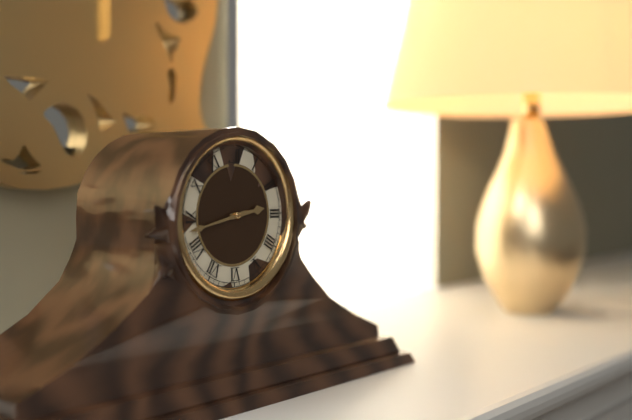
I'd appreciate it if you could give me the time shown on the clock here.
2:43
